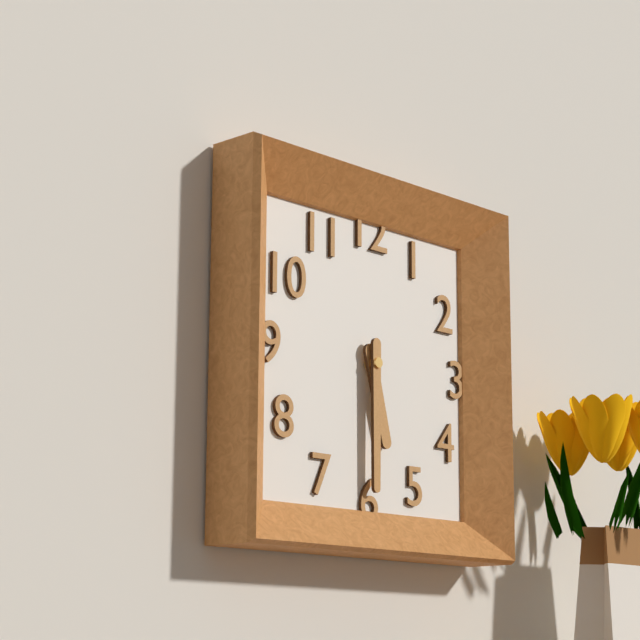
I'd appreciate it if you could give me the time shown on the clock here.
5:30
